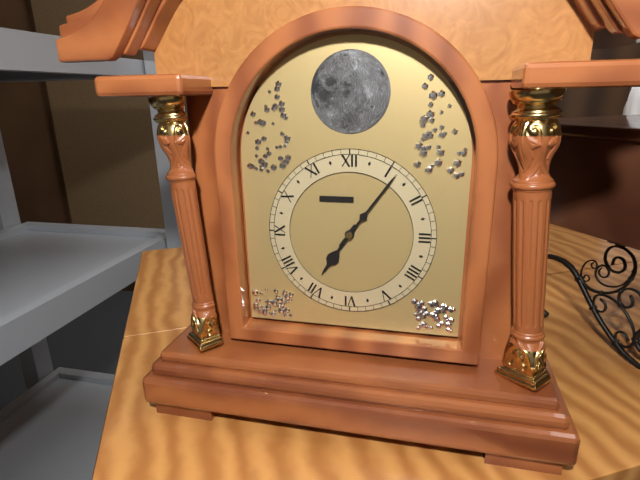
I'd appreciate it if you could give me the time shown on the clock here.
7:06
